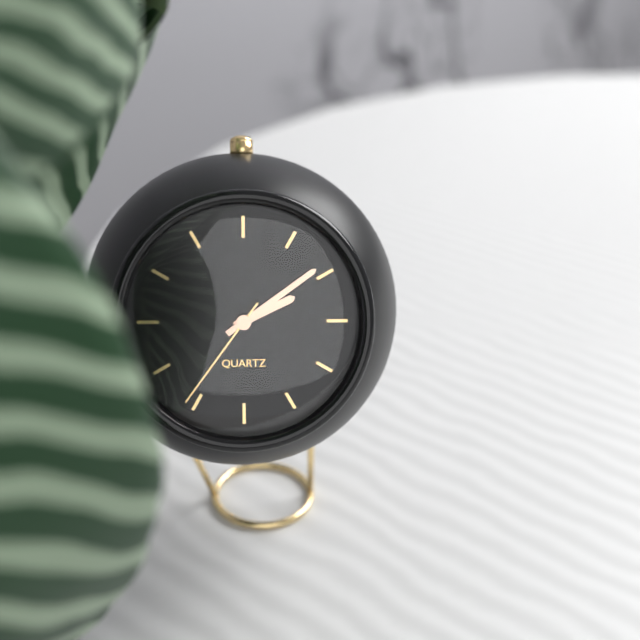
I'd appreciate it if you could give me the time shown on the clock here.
2:09:36
